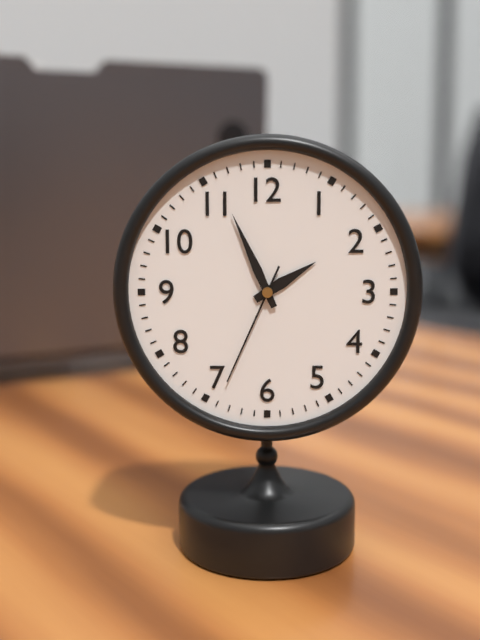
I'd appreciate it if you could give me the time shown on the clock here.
1:56:34
